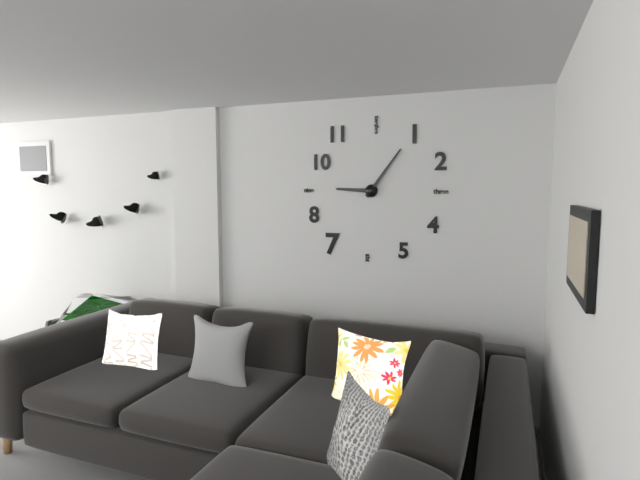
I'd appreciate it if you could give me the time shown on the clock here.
9:06
